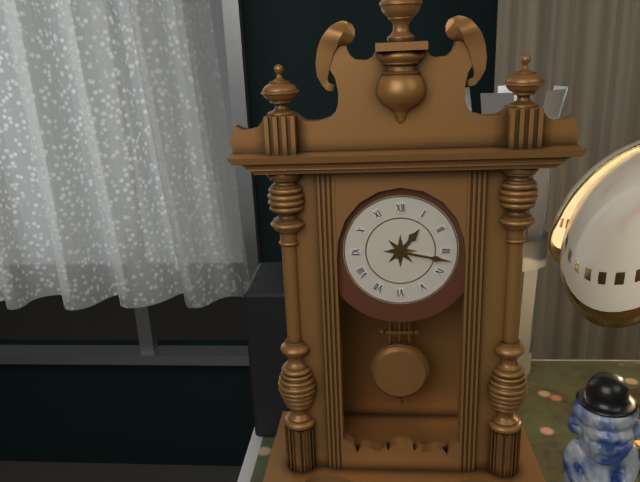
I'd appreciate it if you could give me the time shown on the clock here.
1:17
